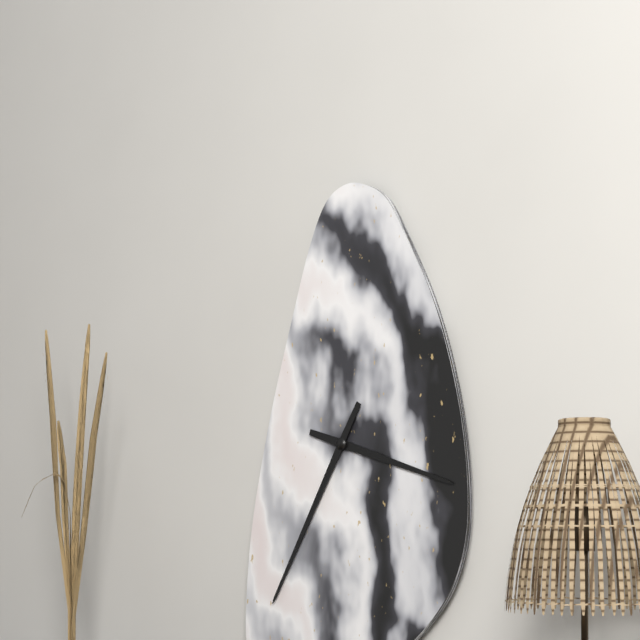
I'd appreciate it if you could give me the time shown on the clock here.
3:35
